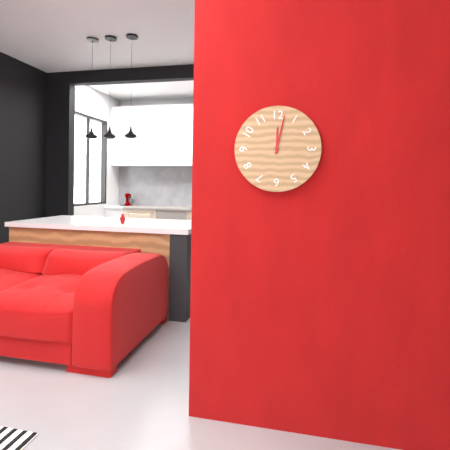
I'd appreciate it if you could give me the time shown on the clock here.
12:02
